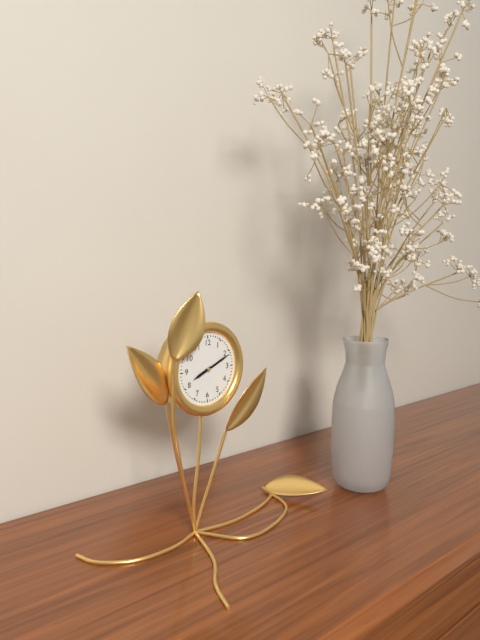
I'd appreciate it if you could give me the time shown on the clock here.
8:11
